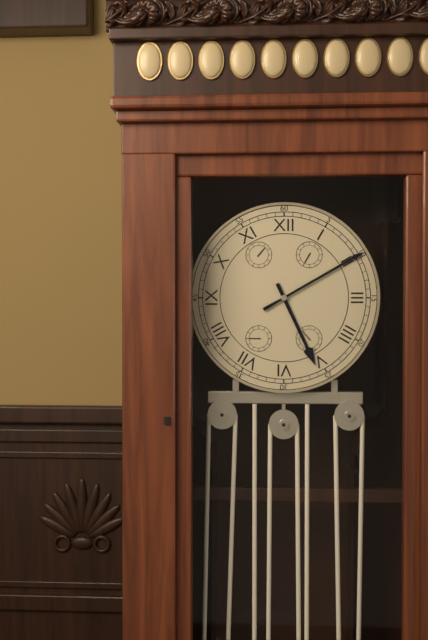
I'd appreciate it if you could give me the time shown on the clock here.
5:10
